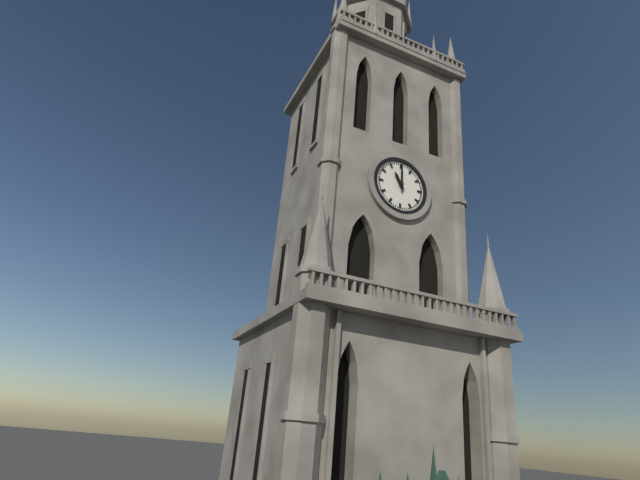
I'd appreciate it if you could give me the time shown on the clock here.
11:00
